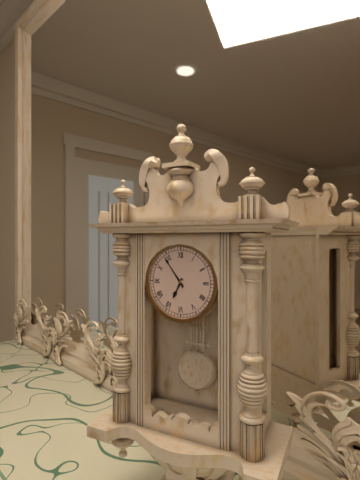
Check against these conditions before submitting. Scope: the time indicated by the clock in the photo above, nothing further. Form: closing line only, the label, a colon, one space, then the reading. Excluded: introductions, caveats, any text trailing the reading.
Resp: 6:54
